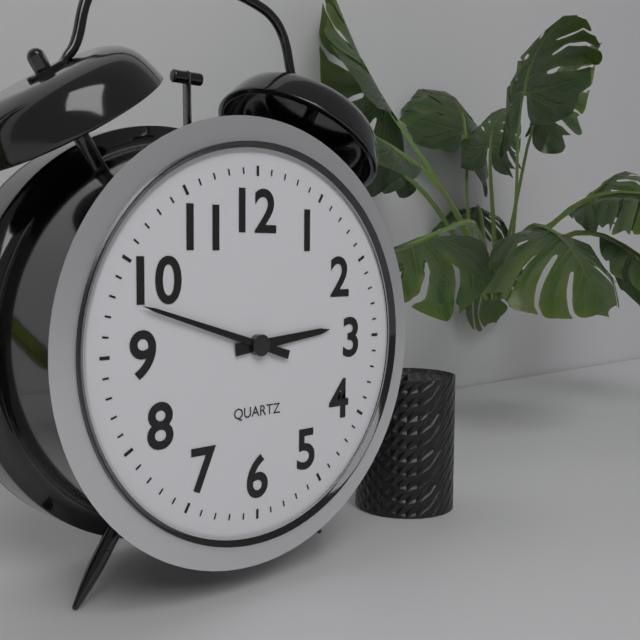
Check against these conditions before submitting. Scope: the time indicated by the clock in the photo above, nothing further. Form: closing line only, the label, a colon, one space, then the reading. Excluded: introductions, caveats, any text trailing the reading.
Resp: 2:48
